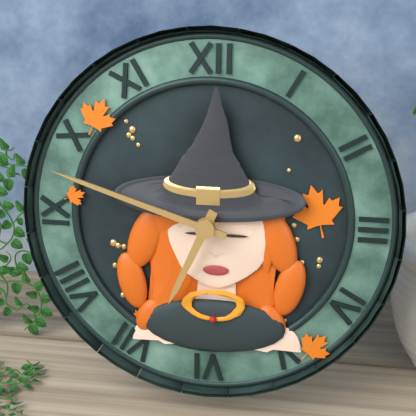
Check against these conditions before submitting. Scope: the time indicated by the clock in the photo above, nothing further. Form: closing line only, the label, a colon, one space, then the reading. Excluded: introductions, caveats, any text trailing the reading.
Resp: 6:48
